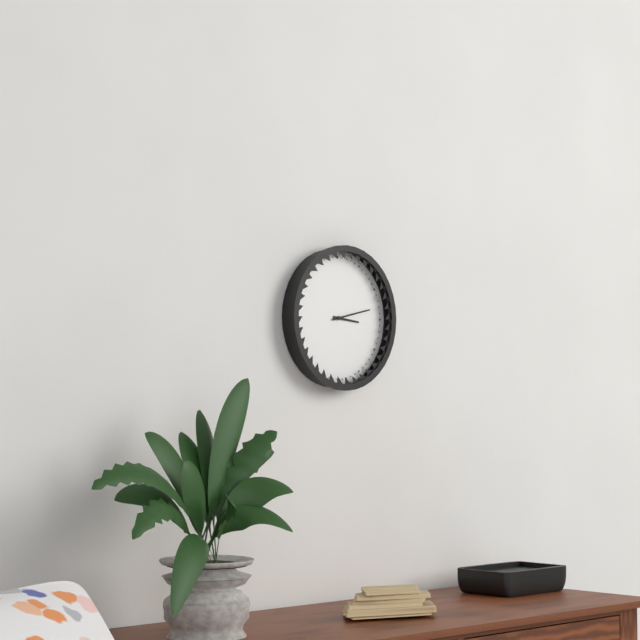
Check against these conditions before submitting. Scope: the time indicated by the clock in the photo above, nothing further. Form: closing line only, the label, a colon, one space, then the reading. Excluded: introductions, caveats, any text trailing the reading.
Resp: 3:13
